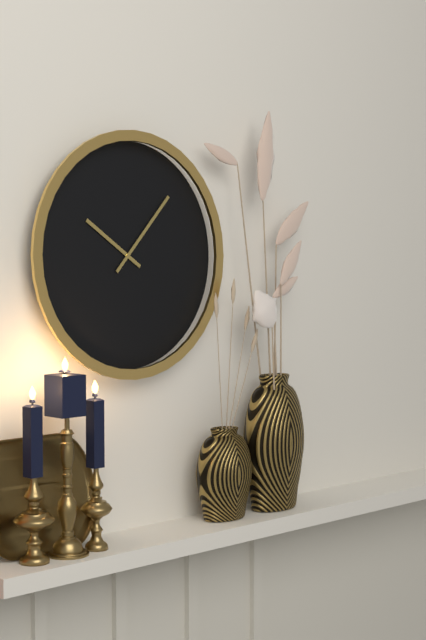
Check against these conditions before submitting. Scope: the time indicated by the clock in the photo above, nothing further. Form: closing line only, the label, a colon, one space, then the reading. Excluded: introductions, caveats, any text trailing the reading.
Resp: 10:07
